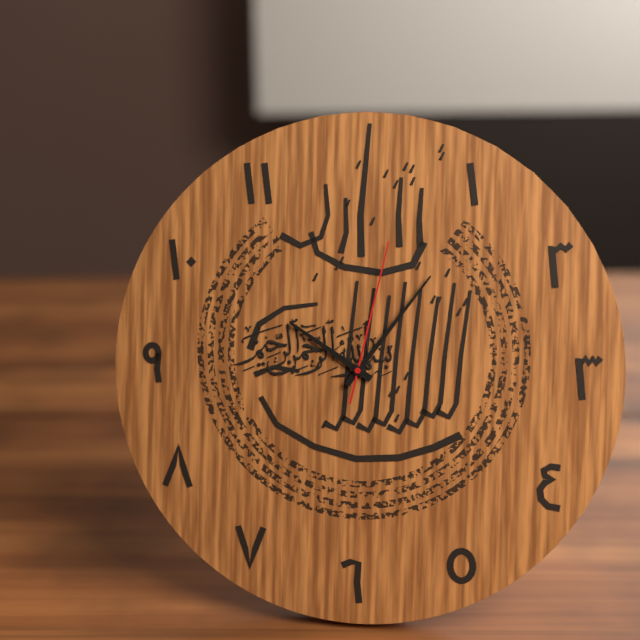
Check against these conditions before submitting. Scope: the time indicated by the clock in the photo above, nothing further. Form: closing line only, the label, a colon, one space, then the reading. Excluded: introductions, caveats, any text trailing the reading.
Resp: 10:06:02
